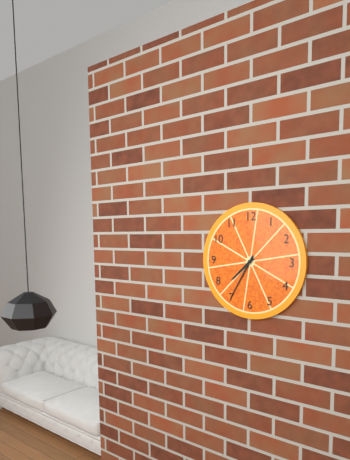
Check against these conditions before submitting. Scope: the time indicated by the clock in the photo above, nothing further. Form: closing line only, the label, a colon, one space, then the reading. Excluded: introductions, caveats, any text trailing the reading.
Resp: 7:35
